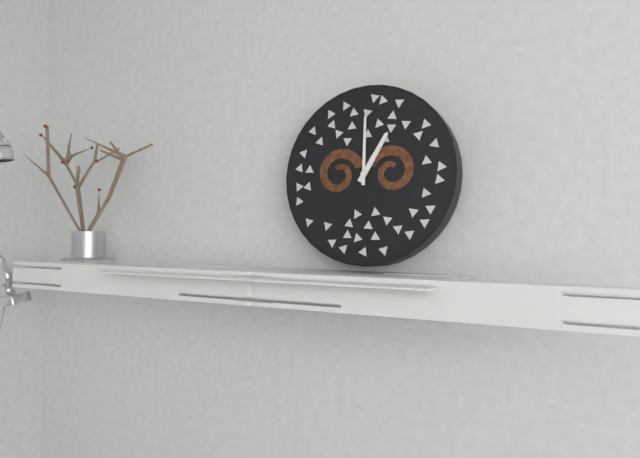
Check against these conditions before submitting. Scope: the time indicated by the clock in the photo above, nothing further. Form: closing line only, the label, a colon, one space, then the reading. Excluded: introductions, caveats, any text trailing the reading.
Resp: 1:00
